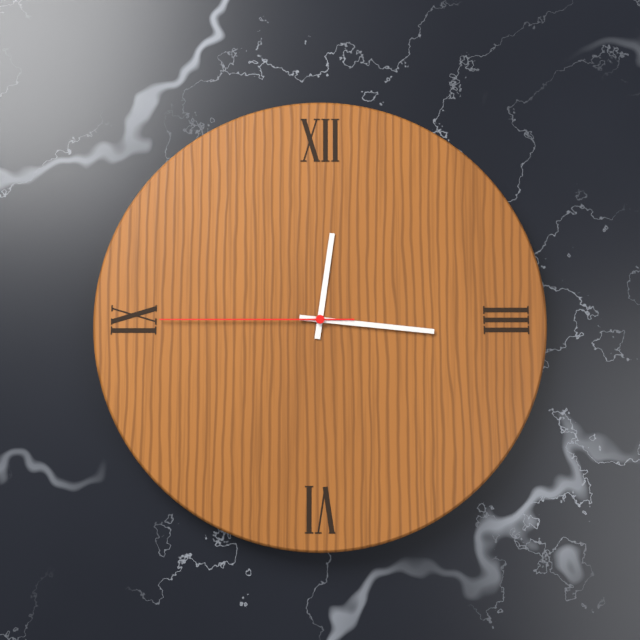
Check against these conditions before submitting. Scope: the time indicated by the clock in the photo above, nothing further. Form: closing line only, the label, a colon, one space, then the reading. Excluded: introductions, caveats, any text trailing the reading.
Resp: 12:16:45
